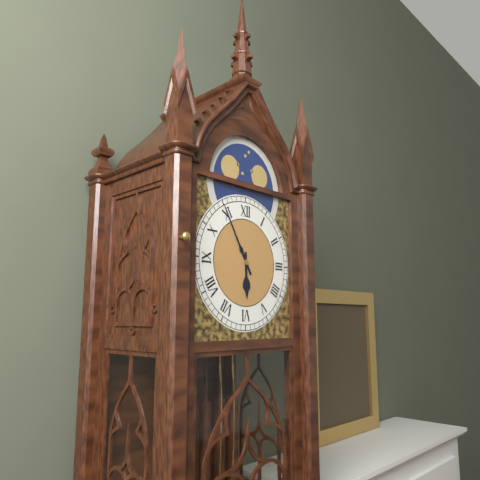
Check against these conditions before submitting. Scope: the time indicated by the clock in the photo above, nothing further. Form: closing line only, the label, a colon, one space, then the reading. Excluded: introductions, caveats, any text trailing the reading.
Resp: 5:55
